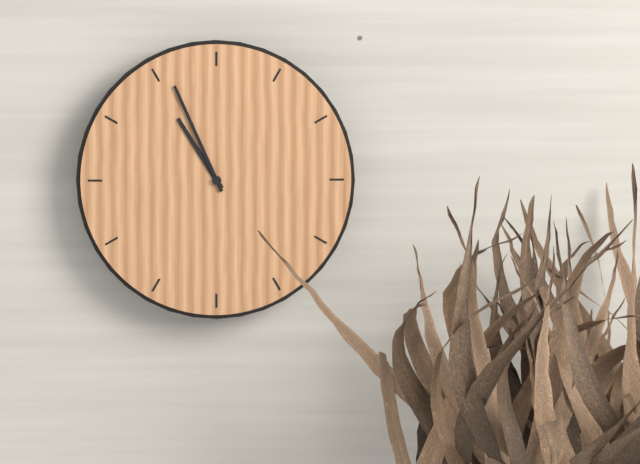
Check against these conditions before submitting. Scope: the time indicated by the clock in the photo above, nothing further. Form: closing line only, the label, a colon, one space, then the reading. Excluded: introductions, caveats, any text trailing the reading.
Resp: 10:56
